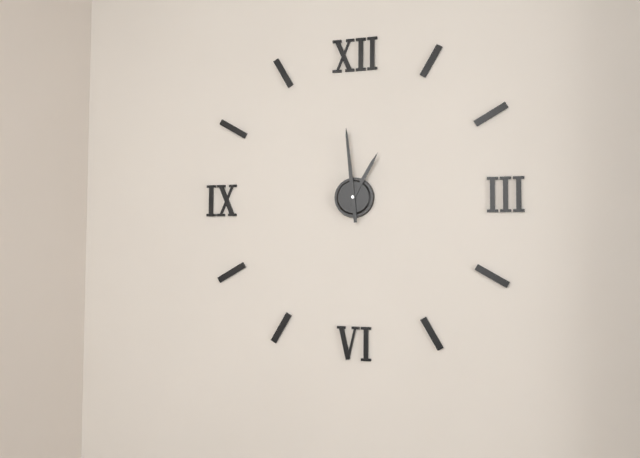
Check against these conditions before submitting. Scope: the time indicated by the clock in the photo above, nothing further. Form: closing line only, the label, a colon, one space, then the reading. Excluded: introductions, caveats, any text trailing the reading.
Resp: 12:59
